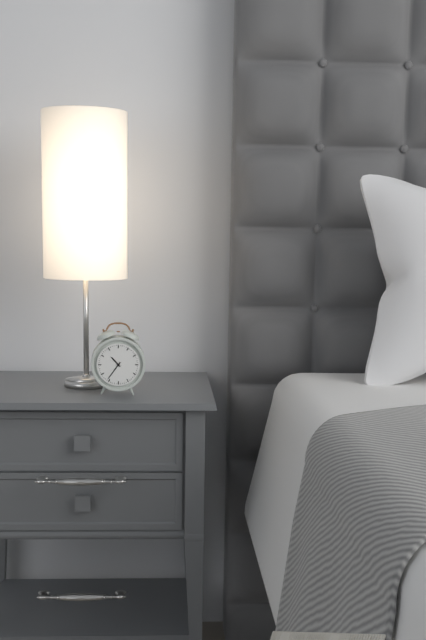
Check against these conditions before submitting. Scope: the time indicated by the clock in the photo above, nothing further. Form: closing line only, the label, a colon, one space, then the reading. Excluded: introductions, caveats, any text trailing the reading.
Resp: 10:36
